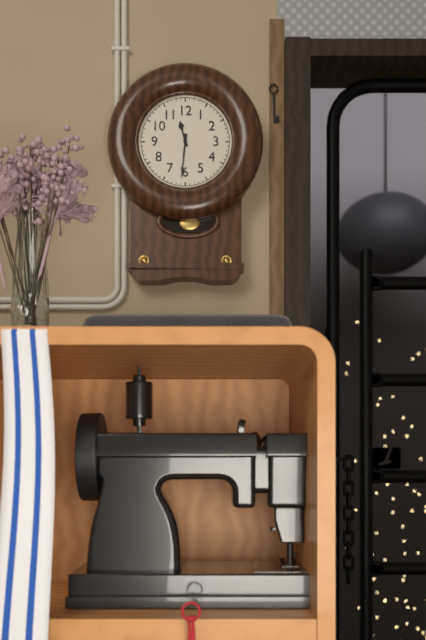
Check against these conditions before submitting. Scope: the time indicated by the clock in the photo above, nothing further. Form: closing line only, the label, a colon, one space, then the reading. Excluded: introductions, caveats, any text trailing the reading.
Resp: 11:31
